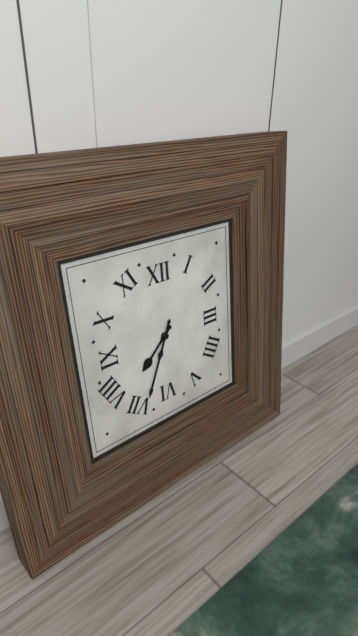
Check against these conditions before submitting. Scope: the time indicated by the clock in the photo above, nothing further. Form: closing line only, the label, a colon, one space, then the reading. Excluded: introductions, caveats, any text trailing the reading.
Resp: 7:34
